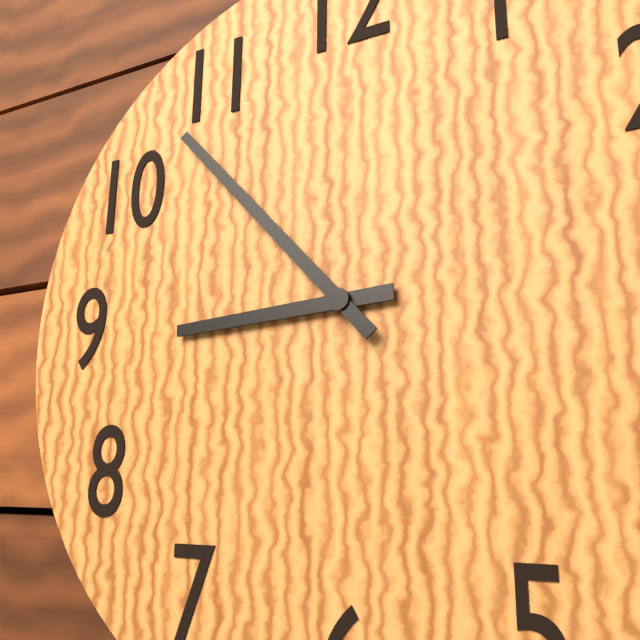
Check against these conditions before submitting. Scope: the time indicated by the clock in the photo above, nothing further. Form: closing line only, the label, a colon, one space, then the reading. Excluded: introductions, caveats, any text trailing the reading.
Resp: 8:53
